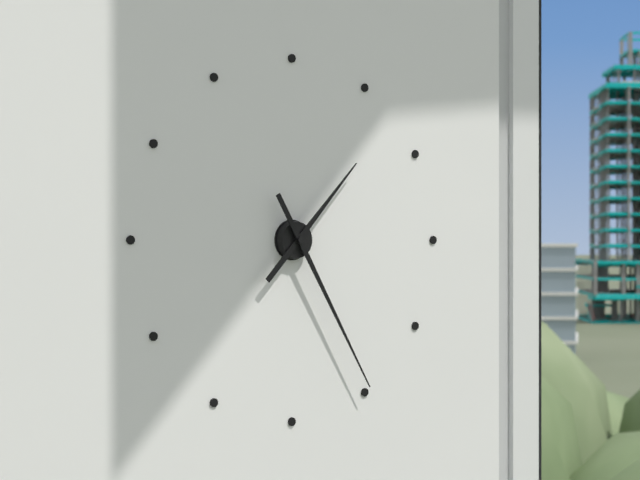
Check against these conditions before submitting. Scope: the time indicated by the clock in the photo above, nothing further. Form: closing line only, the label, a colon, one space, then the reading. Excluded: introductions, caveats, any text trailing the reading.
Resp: 1:25
